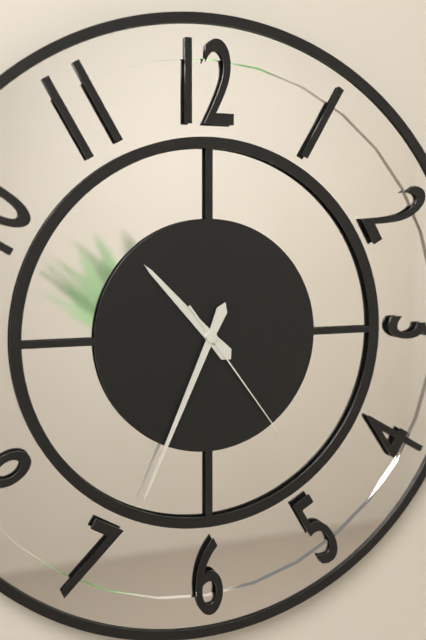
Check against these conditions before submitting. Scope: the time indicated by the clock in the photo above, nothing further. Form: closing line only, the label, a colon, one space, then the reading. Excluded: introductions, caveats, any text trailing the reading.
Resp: 10:34:24
